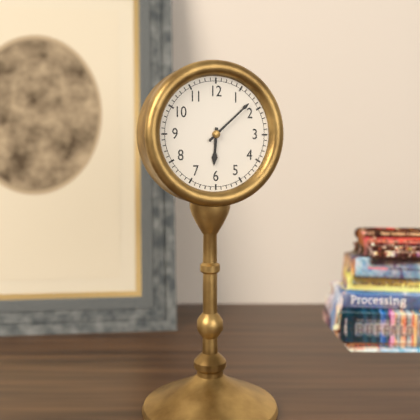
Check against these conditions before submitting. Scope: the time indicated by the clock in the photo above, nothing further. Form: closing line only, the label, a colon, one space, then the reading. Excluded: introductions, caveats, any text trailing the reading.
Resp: 6:08
